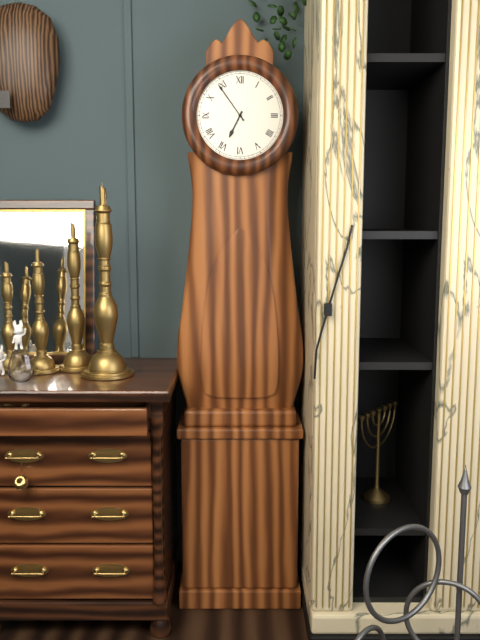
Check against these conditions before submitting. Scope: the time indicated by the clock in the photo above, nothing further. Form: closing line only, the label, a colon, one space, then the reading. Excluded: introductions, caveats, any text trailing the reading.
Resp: 6:54
